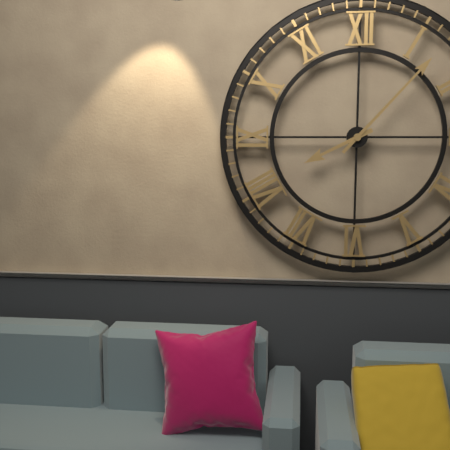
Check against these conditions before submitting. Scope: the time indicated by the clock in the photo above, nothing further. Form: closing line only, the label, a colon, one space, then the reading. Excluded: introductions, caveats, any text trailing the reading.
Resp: 8:07
